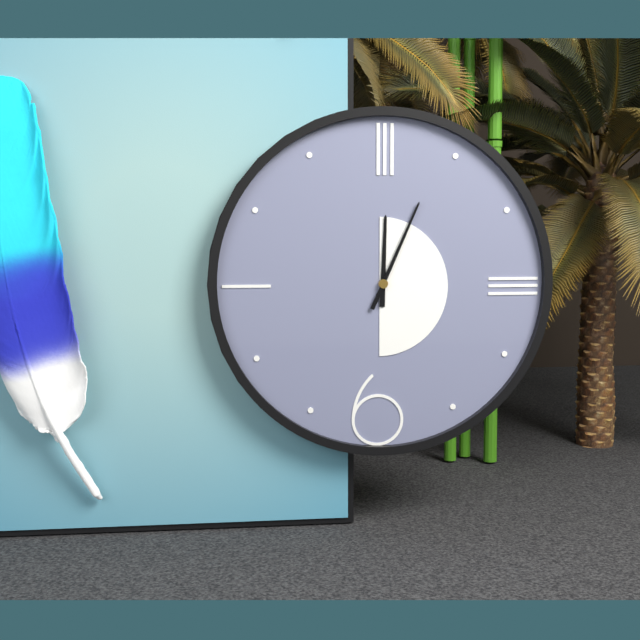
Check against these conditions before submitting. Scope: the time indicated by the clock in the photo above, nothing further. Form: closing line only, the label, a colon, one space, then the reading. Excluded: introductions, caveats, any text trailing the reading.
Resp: 12:04
